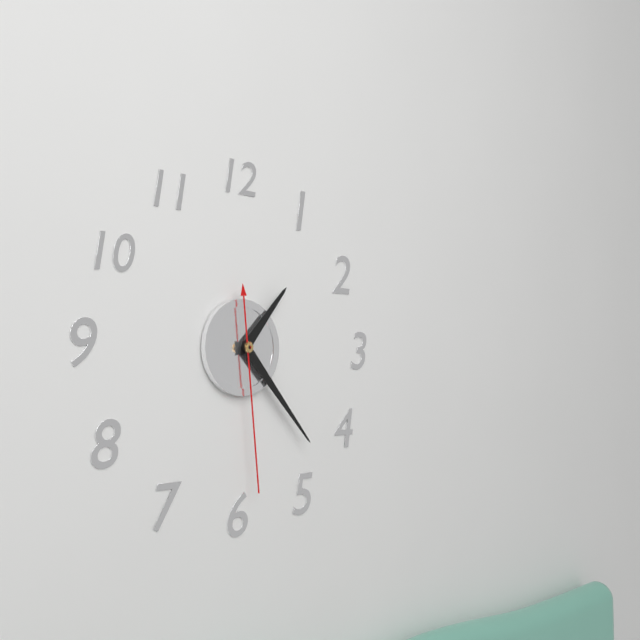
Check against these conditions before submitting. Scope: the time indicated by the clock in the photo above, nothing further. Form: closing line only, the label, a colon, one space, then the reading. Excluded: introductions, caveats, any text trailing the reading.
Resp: 1:23:29
